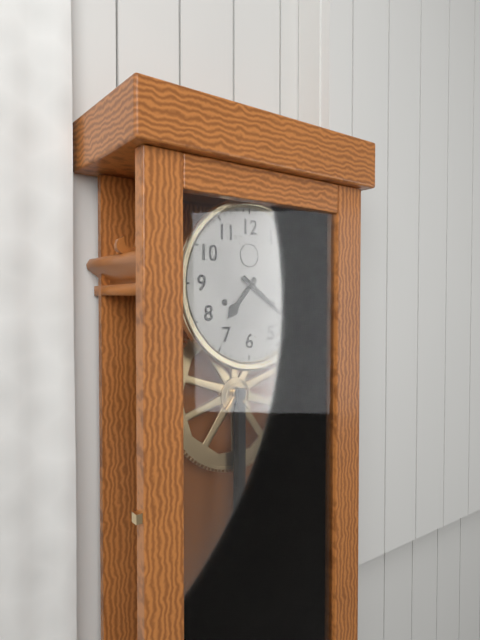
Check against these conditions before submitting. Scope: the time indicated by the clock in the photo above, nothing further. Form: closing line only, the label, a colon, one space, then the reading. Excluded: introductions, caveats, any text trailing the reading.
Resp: 7:21
